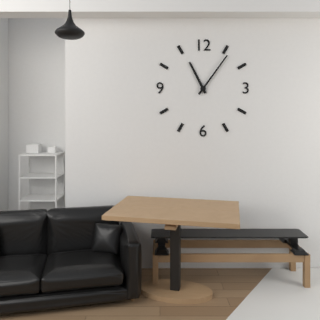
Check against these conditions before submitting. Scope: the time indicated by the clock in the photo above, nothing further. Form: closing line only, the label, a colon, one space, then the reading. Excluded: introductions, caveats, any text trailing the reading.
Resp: 11:06
